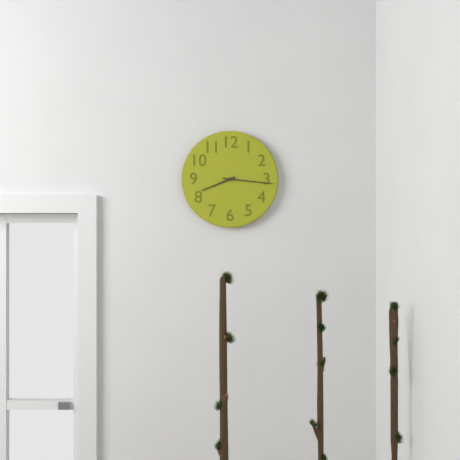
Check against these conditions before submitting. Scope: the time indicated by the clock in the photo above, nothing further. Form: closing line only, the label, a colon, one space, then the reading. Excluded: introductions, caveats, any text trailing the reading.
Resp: 8:16
